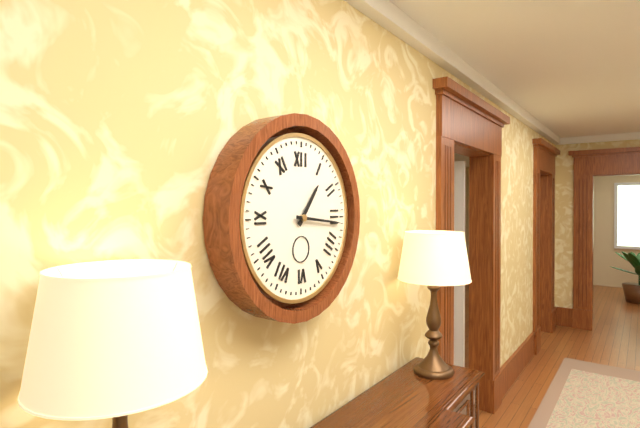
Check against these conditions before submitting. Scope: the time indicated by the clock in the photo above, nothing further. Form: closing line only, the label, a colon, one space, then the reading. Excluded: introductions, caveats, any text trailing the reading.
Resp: 1:16
